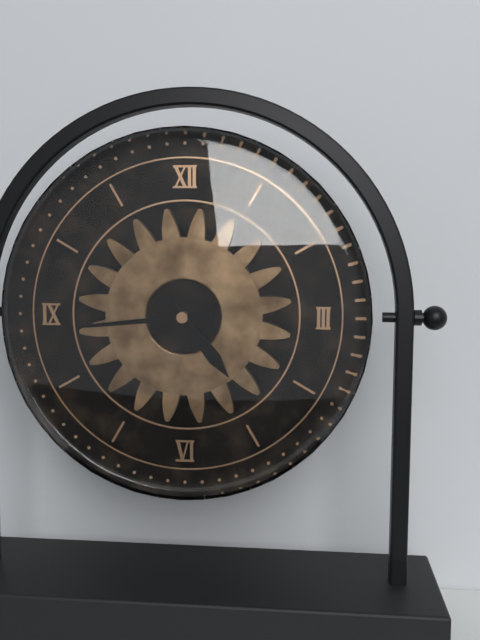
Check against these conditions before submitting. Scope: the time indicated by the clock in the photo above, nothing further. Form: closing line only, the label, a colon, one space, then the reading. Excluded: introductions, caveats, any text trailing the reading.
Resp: 4:44
